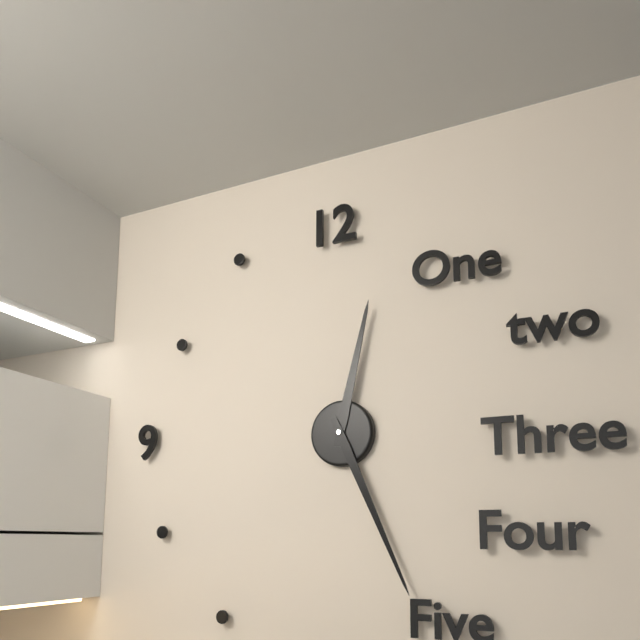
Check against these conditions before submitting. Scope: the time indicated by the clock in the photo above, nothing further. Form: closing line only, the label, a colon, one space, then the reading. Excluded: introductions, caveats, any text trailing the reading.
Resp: 12:26
